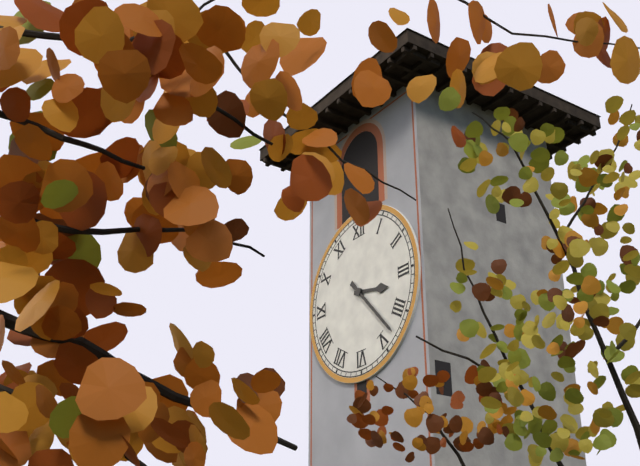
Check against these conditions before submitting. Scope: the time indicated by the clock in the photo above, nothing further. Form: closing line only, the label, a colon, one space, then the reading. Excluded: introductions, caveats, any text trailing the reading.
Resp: 3:23
